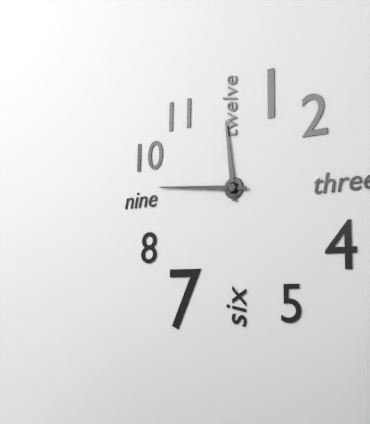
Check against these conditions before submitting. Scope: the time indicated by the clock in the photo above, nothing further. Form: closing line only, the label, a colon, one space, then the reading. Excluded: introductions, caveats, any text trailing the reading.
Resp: 11:46
